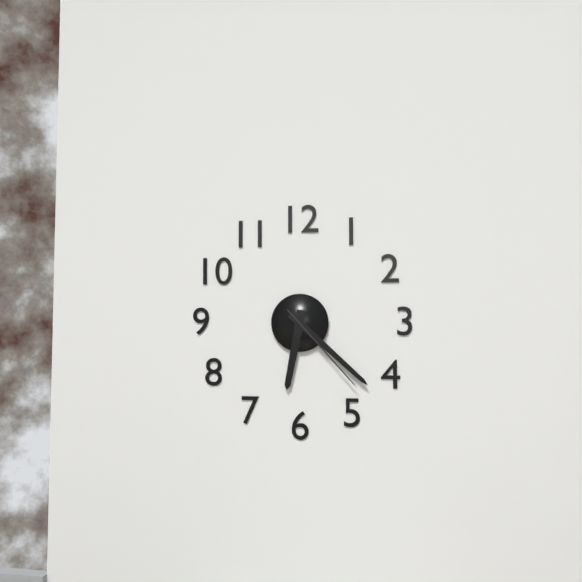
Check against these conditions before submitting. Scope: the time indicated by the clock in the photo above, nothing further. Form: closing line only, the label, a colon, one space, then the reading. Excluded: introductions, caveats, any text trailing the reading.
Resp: 6:22:23
